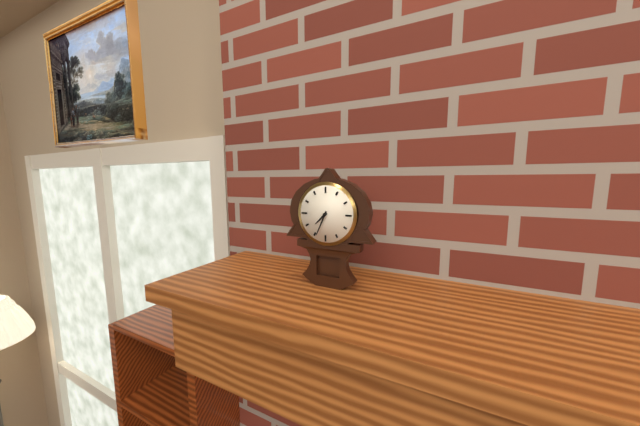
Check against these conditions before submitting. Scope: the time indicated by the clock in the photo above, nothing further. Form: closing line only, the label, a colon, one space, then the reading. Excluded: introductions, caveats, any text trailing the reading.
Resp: 7:34
